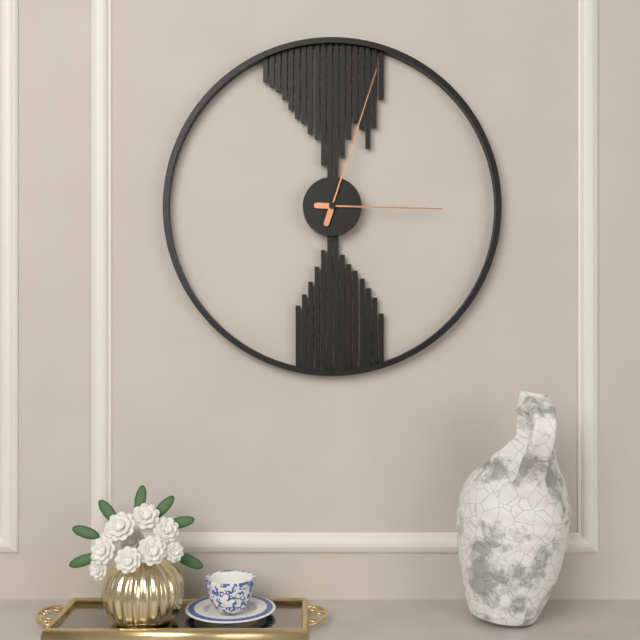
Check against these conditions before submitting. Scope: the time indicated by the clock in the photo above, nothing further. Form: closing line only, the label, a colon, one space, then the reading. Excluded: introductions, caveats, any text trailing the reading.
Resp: 3:03
